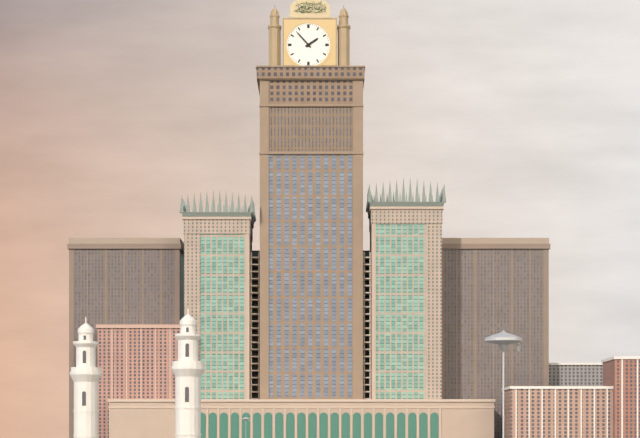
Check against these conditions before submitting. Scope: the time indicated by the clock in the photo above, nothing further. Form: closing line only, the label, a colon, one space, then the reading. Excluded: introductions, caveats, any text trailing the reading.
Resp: 1:53
